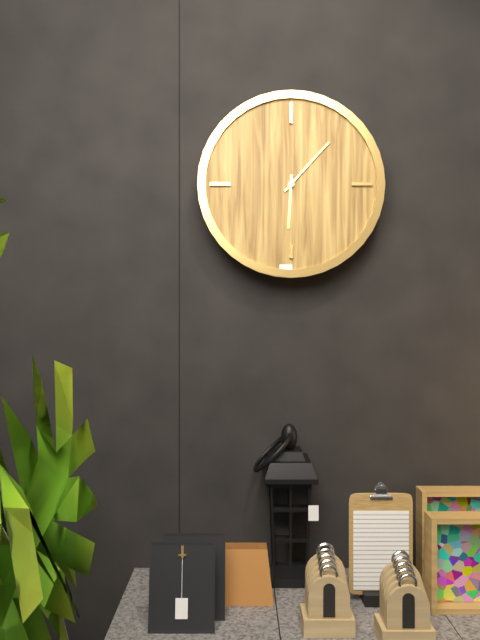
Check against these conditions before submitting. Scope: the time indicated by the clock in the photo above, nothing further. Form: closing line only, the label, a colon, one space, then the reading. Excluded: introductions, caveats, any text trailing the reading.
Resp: 6:07
